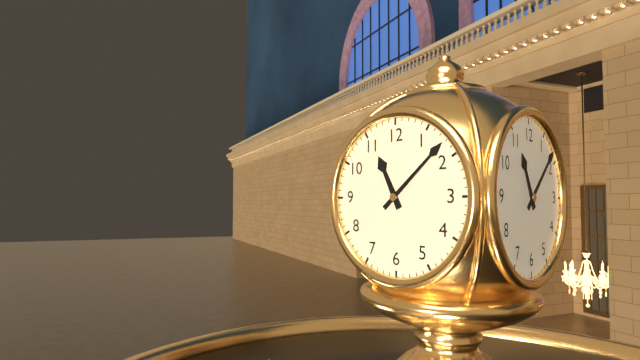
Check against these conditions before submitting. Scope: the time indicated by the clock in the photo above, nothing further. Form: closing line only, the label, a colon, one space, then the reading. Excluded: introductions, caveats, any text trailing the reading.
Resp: 11:08
